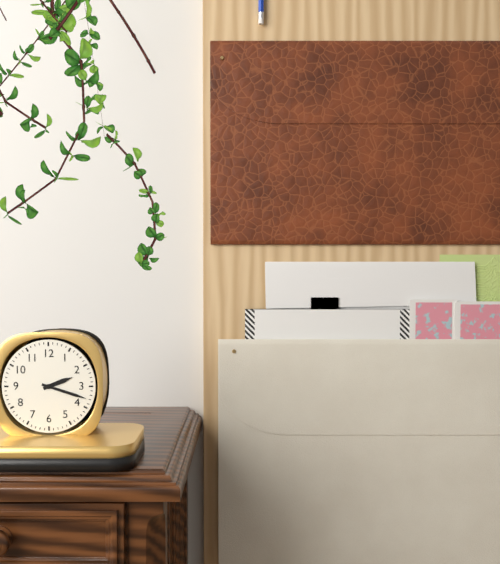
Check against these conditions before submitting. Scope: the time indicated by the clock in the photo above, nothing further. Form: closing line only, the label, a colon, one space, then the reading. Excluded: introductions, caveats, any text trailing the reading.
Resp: 2:18
